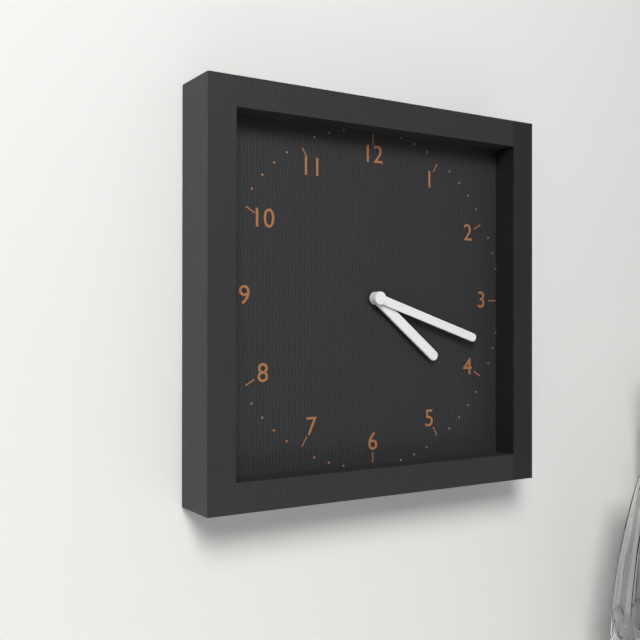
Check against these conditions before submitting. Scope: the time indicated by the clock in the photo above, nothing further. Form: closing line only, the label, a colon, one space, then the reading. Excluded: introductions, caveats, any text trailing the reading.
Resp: 4:18
